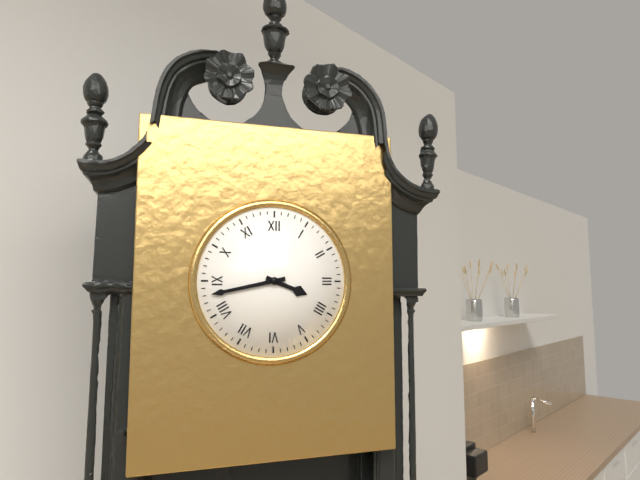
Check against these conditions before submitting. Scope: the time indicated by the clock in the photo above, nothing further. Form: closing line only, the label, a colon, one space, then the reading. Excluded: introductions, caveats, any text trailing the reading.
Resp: 3:43
